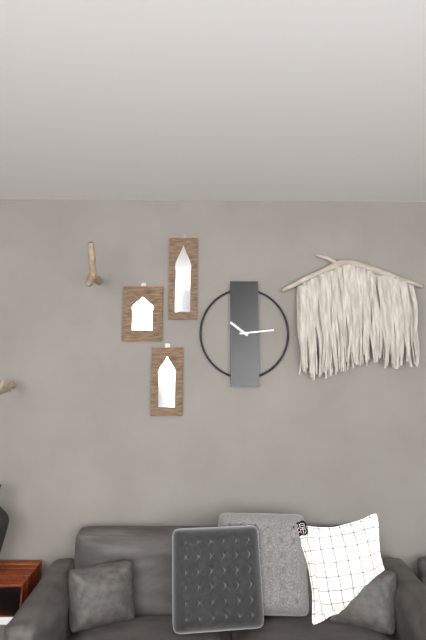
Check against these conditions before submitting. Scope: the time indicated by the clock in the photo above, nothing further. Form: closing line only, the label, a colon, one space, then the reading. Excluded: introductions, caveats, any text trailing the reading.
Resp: 10:14
